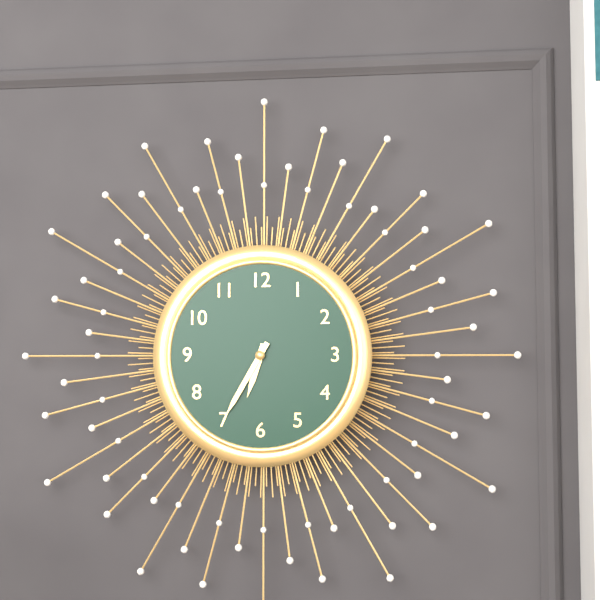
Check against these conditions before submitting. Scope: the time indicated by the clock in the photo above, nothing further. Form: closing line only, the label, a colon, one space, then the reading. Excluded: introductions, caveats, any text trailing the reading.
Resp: 6:35
